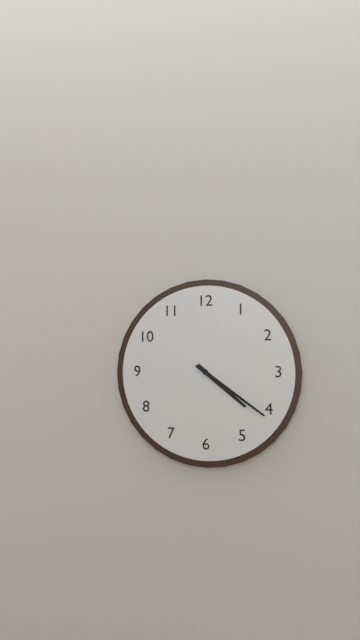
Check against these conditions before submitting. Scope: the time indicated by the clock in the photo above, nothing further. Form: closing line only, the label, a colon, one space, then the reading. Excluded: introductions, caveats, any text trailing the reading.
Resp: 4:21
